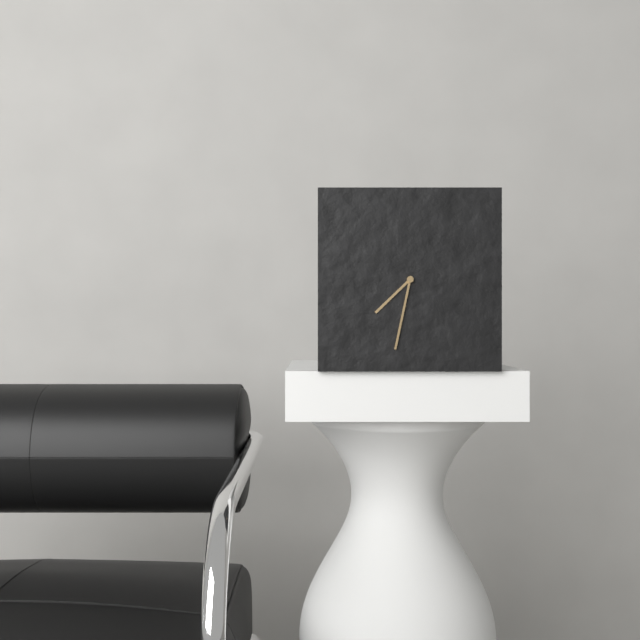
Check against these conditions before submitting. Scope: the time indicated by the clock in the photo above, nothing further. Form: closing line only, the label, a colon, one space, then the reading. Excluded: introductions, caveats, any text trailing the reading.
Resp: 7:32
